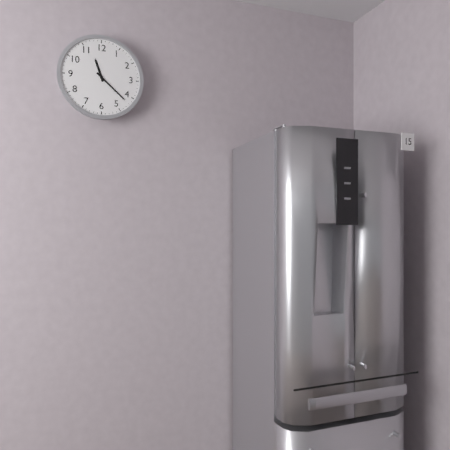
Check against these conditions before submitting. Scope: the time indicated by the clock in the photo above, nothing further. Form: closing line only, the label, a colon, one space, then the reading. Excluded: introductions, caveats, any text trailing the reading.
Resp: 11:22
